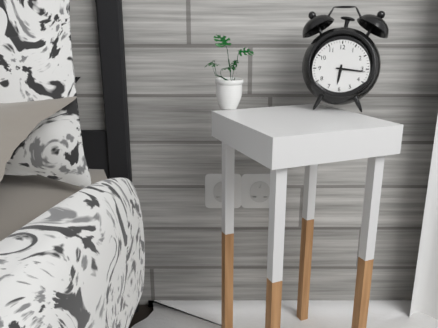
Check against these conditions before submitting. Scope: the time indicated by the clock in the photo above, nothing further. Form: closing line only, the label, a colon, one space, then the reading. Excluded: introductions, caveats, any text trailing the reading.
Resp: 6:16
